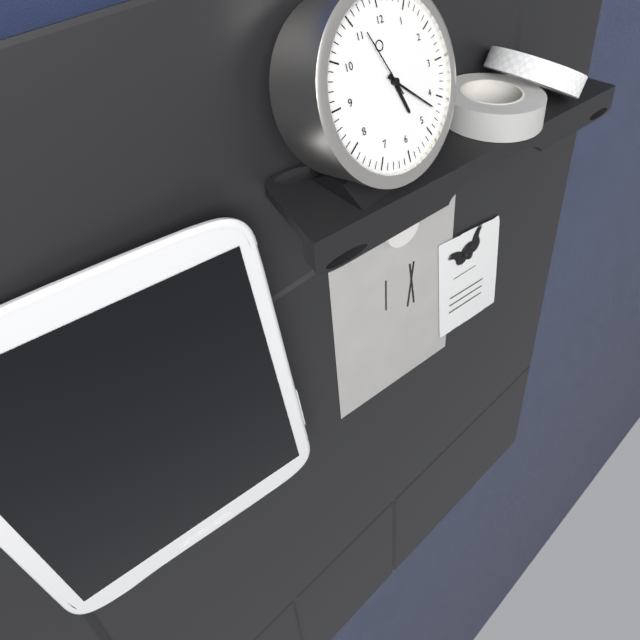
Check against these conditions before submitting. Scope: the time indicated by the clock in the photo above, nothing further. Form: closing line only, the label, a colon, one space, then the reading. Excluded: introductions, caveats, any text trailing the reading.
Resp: 5:22:56
